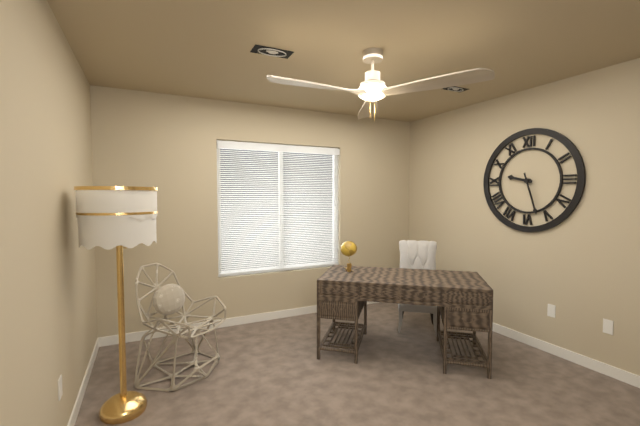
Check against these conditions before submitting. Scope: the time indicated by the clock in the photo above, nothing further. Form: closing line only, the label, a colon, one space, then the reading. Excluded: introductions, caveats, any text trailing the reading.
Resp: 9:27
